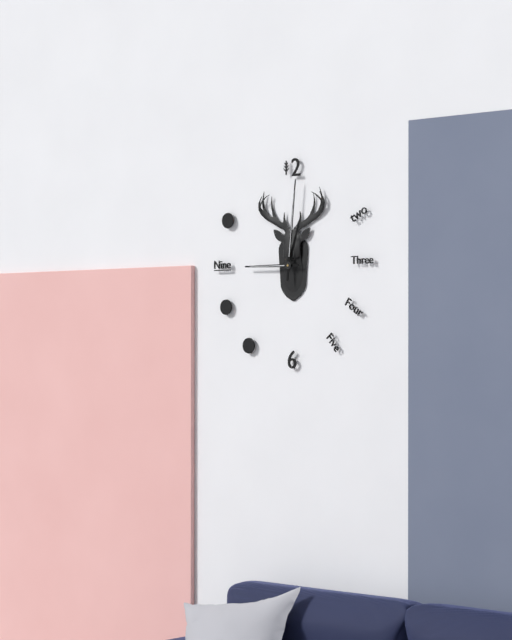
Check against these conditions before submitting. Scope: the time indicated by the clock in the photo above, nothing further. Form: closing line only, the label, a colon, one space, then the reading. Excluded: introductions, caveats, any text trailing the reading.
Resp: 9:01
